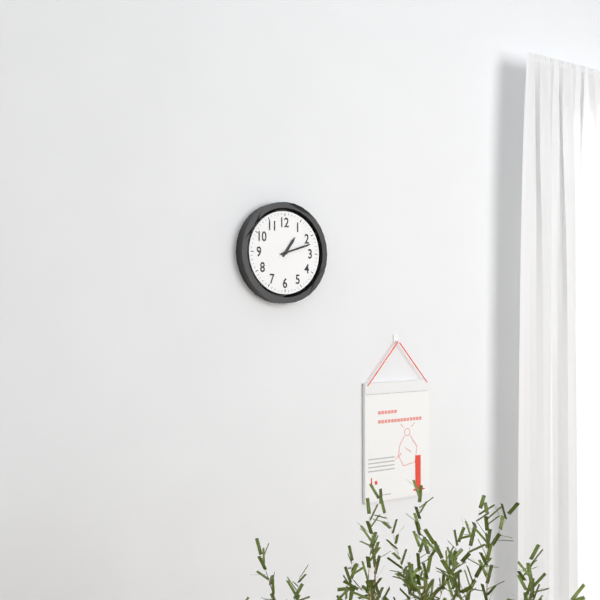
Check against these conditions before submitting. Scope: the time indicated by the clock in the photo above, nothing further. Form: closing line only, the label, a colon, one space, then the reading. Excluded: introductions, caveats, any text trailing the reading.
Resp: 1:12
